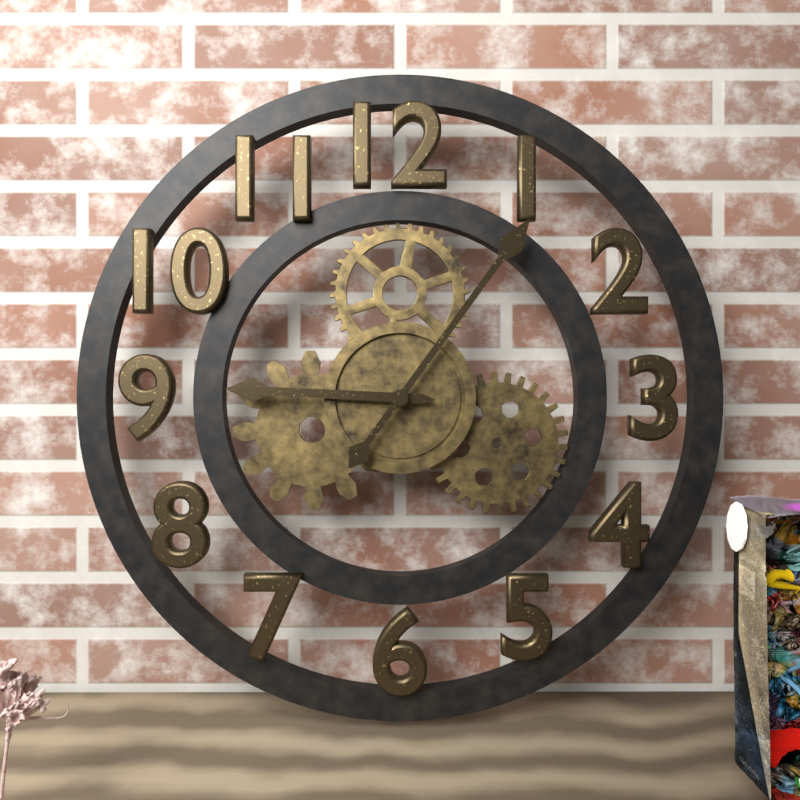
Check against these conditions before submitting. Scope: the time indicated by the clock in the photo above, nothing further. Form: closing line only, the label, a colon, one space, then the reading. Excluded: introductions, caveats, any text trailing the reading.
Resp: 9:06
